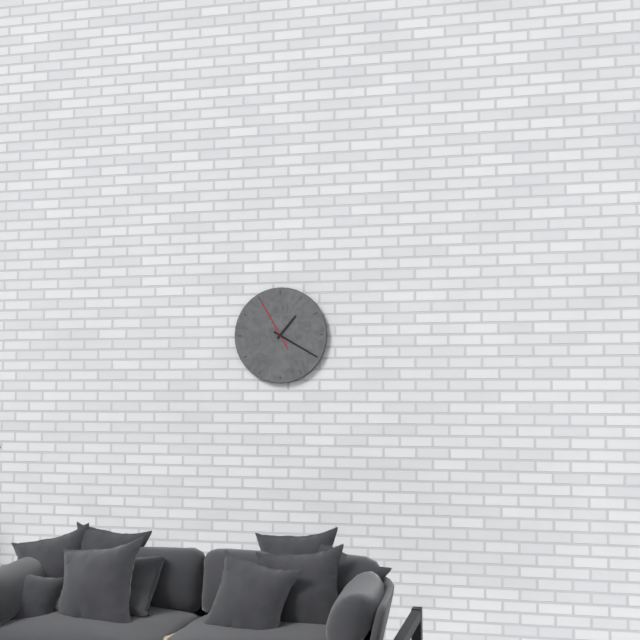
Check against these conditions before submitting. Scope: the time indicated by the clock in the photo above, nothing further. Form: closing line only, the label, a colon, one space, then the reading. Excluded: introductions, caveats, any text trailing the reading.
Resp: 1:20:55
